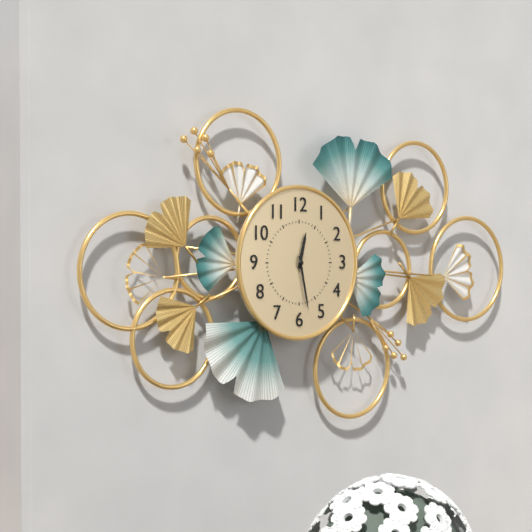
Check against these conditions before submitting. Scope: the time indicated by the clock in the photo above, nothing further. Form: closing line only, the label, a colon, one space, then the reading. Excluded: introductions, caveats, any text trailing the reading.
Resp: 12:28
